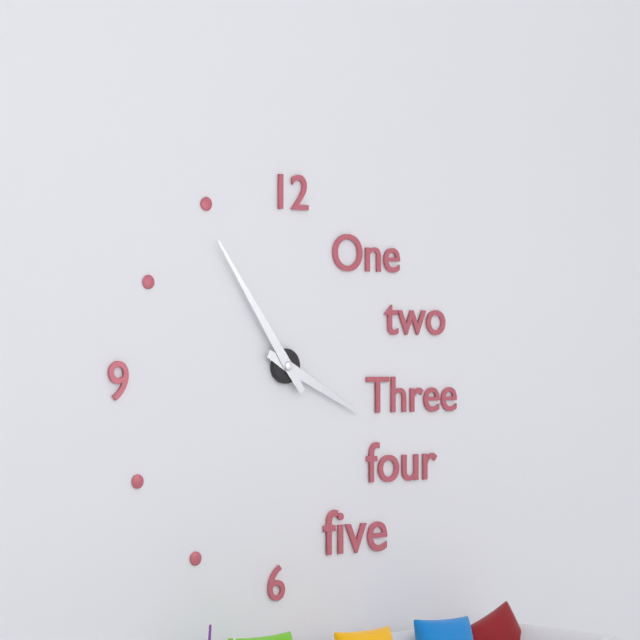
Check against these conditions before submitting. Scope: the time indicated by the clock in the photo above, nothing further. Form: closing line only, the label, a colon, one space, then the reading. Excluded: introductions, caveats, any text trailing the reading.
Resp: 3:54
